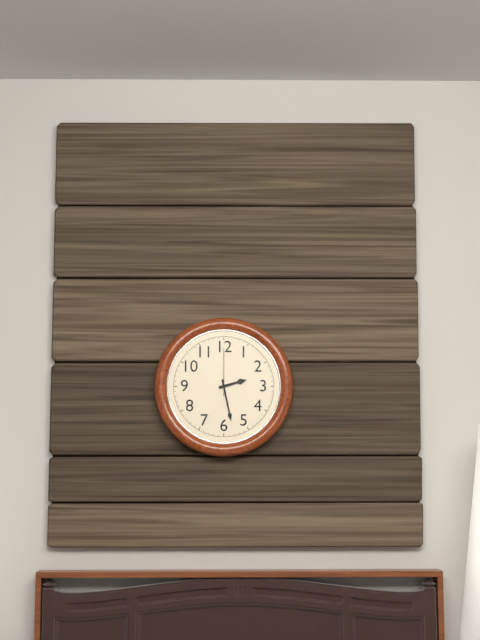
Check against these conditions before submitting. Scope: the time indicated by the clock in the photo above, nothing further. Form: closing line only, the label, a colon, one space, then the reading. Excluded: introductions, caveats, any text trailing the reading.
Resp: 2:28
